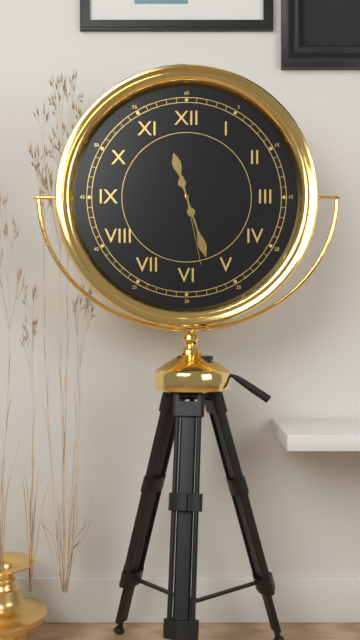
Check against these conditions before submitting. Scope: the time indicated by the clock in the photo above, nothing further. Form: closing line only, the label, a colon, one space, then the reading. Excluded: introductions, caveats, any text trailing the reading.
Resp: 11:27:28
